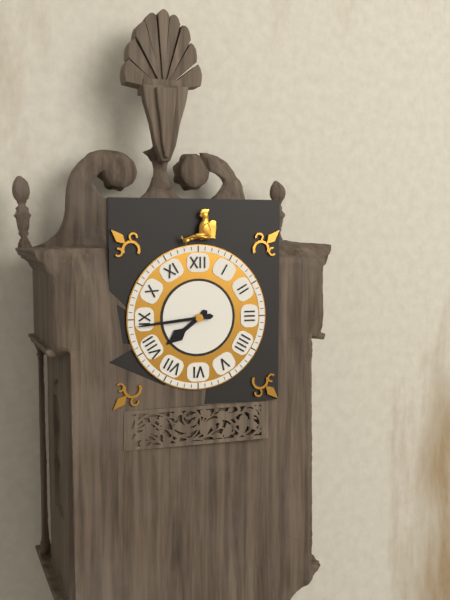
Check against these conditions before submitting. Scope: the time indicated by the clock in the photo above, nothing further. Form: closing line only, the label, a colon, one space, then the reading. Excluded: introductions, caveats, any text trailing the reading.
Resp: 7:44
